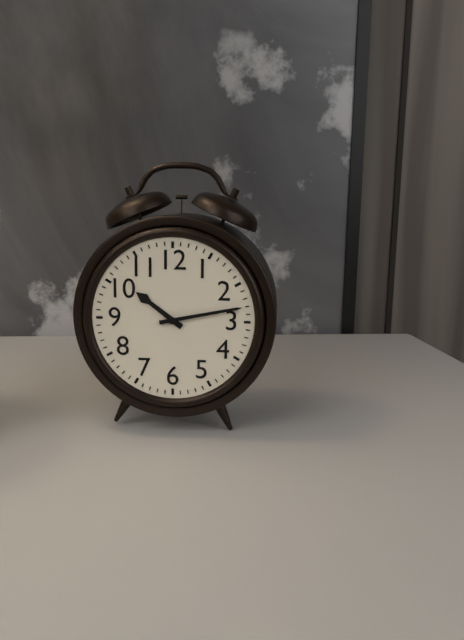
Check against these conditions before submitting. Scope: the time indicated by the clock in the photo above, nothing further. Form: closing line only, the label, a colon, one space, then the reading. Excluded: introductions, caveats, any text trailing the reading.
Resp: 10:13
